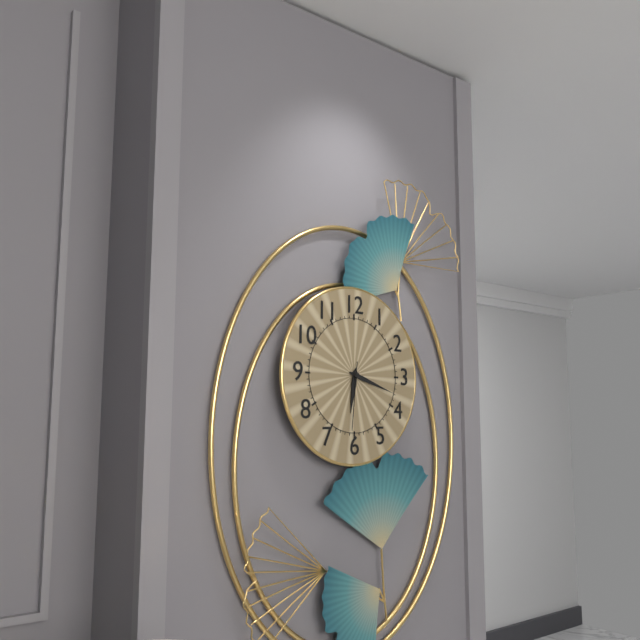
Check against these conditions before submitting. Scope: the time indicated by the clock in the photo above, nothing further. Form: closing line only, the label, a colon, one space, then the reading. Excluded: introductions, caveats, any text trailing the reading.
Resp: 6:18:31
